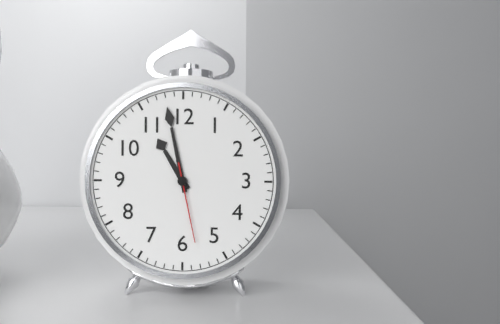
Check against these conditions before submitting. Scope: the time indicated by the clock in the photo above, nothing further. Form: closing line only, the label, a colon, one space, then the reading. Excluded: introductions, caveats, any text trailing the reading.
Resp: 10:58:28
